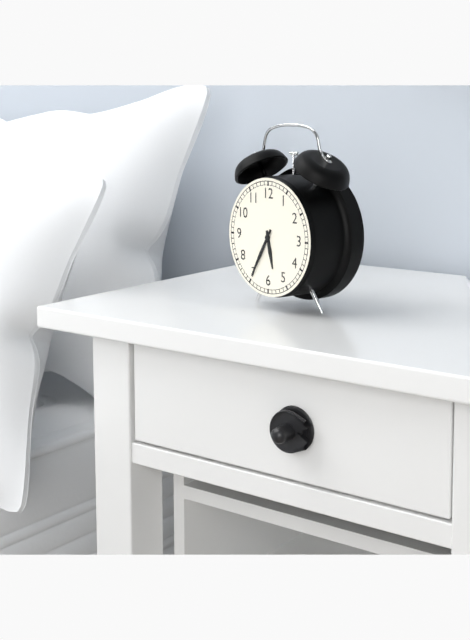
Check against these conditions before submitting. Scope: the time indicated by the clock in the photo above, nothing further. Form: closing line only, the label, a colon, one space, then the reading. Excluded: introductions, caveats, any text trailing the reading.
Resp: 5:35
